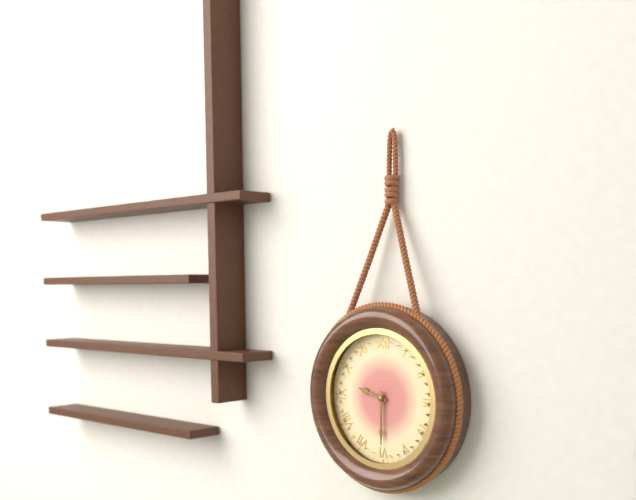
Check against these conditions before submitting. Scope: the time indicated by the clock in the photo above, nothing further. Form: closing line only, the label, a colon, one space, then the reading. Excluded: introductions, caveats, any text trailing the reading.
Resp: 9:30
